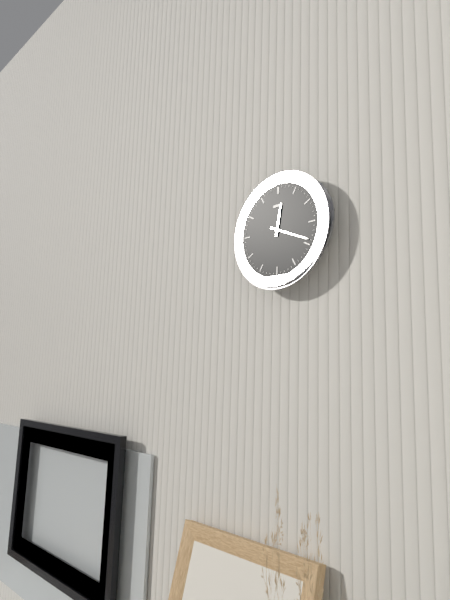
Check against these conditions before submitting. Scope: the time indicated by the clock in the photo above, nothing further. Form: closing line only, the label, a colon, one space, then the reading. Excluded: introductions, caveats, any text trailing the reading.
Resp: 12:19
